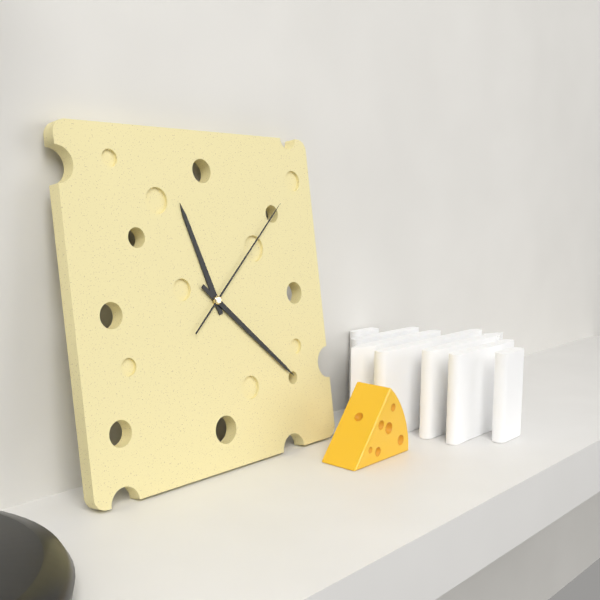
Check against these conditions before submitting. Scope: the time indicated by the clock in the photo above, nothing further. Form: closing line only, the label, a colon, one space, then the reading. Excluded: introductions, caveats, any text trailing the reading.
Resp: 11:22:08
